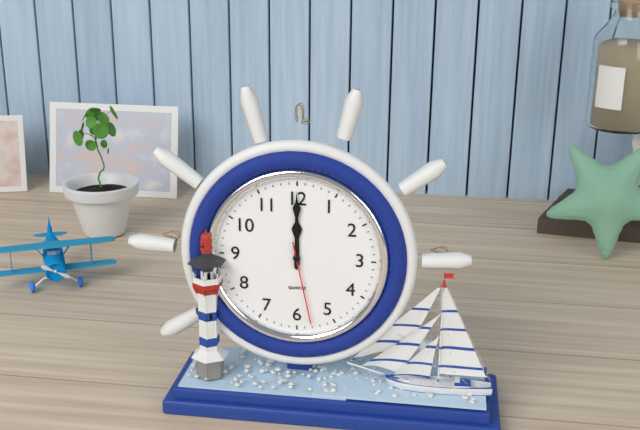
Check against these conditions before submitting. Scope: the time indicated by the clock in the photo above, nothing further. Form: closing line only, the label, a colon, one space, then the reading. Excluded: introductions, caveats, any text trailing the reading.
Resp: 12:00:28
